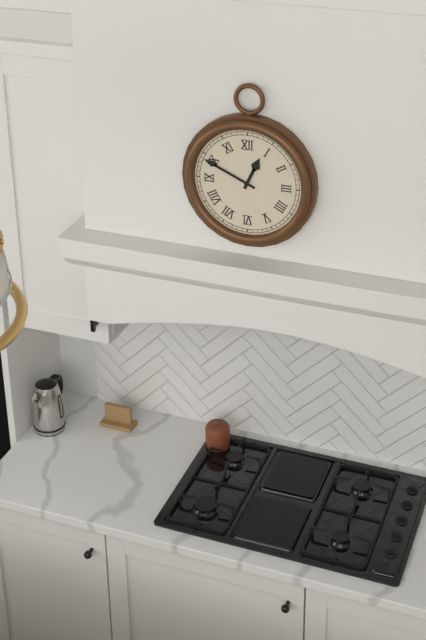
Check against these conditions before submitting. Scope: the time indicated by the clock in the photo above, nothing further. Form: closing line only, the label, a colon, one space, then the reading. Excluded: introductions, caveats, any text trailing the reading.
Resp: 12:49
